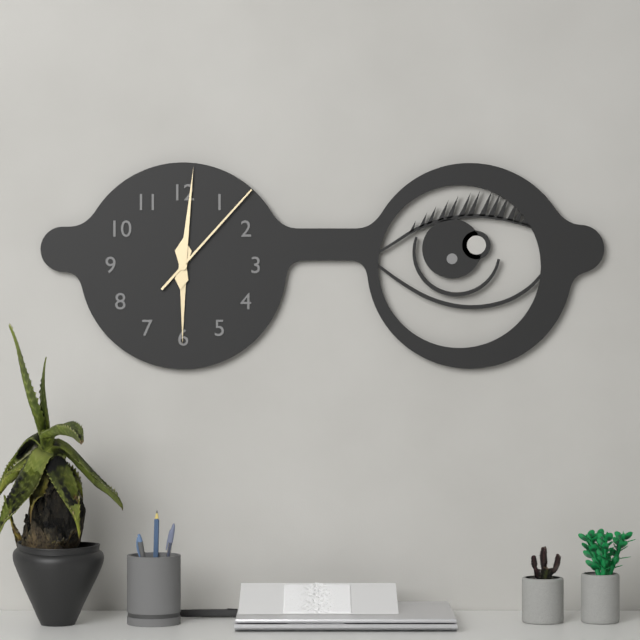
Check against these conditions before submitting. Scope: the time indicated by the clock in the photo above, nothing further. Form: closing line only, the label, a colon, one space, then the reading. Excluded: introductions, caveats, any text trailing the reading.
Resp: 6:01:07
